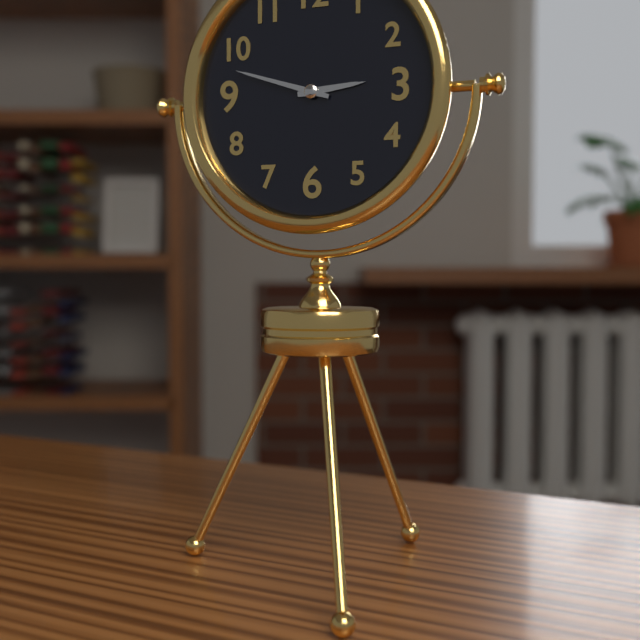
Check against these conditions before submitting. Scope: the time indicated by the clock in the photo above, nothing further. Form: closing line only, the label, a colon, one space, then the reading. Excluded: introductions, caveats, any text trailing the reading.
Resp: 2:48
